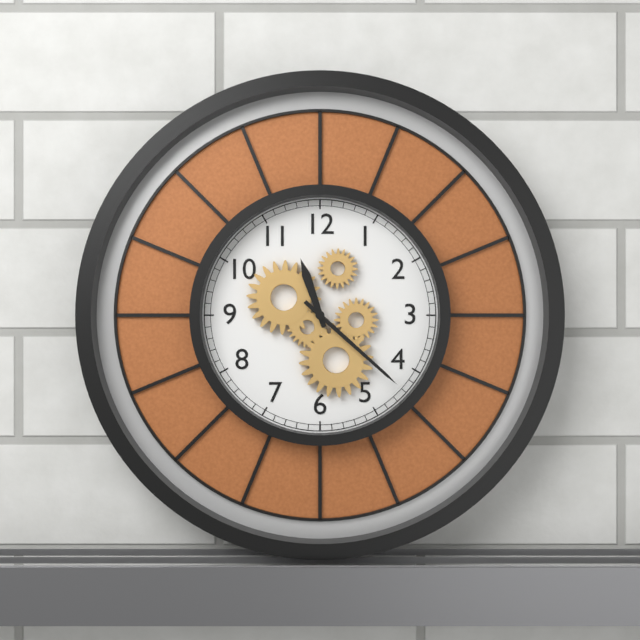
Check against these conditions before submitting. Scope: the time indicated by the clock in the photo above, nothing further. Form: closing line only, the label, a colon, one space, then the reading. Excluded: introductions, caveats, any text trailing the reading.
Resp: 11:22
